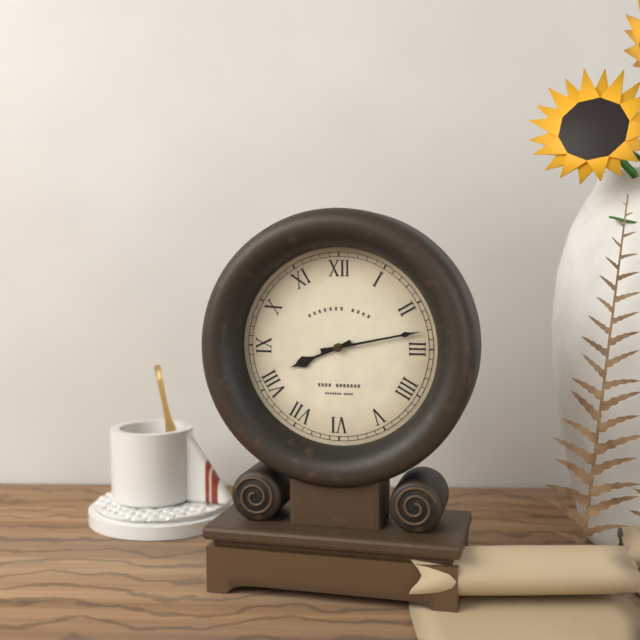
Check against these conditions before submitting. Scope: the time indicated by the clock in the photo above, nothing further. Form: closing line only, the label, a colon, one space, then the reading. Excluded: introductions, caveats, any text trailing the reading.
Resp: 8:13
